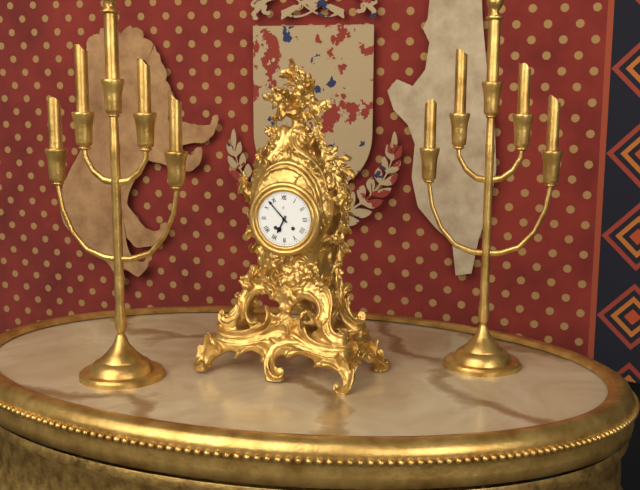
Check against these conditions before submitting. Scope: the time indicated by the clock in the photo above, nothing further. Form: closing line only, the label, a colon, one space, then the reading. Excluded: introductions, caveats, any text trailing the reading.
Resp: 6:53
